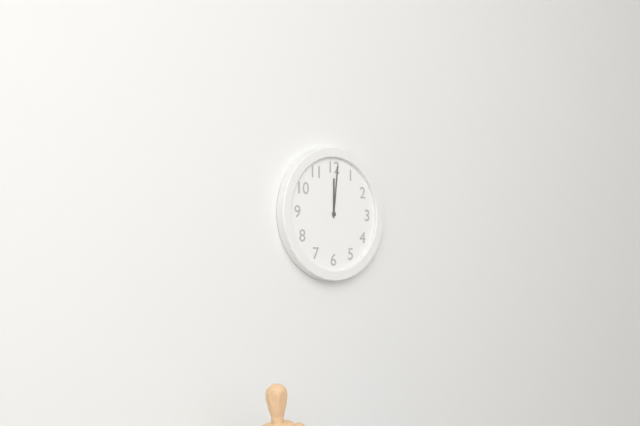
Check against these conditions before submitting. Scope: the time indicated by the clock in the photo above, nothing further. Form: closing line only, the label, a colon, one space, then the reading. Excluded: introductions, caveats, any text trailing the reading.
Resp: 12:01
